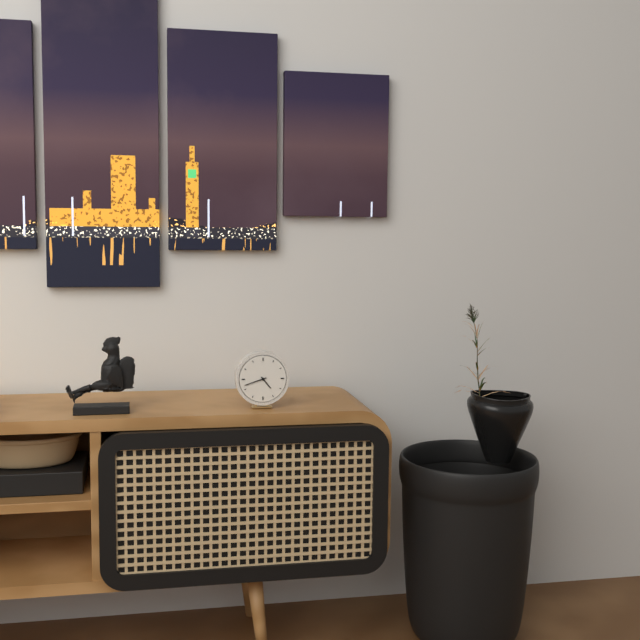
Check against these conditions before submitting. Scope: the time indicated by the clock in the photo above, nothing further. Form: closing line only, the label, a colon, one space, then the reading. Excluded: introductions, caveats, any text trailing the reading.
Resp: 4:42
